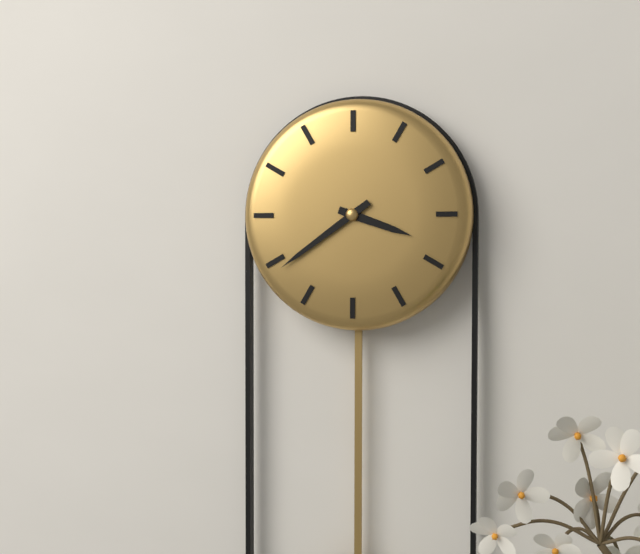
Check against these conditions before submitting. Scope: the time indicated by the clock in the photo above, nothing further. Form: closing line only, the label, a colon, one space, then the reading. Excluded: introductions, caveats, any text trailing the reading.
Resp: 3:39
